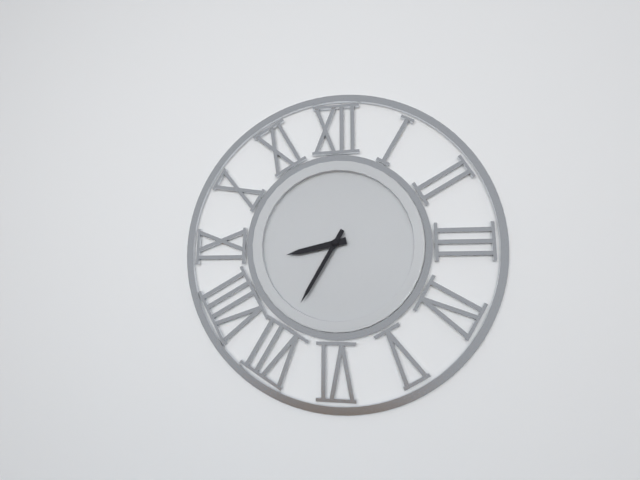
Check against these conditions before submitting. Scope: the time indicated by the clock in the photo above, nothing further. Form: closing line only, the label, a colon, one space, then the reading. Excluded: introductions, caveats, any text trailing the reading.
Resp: 8:35
